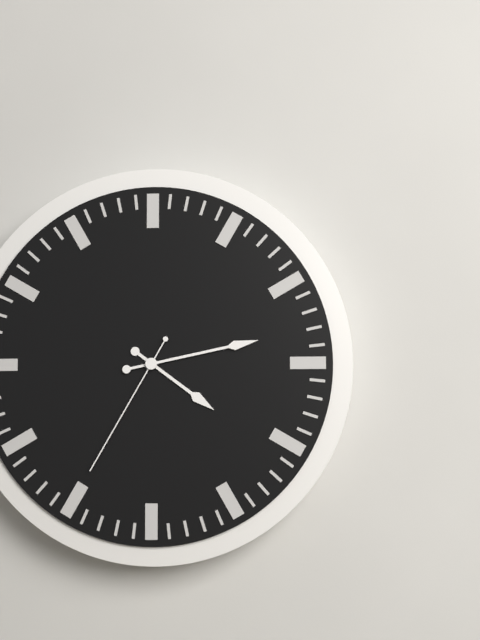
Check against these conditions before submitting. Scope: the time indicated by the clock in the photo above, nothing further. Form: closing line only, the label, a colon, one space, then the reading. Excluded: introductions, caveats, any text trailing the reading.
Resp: 4:13:35
